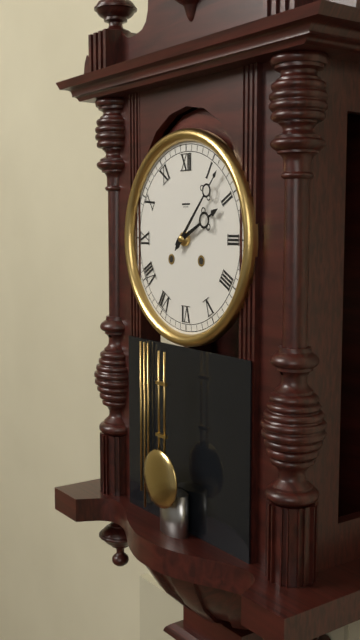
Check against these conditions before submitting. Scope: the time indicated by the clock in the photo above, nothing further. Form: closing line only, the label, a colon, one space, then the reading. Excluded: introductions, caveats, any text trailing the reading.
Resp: 2:07
